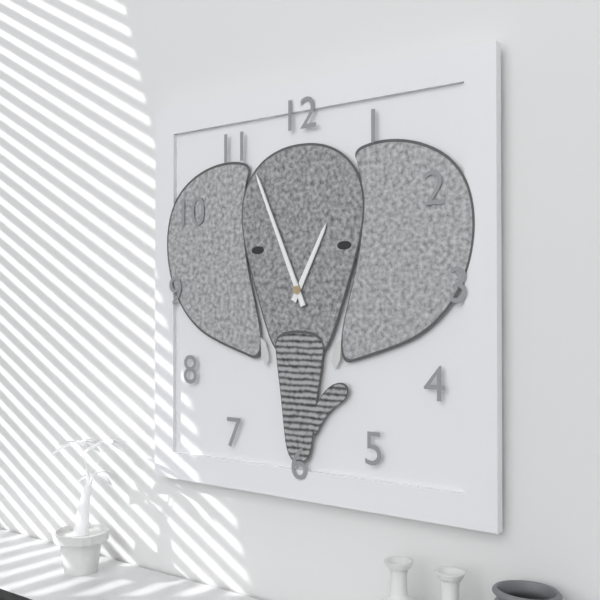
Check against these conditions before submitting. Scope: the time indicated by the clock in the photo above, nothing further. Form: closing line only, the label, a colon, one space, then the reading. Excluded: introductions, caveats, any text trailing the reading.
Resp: 12:56
